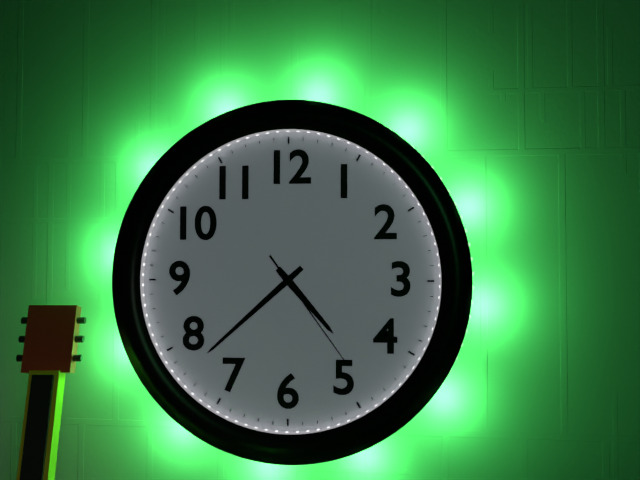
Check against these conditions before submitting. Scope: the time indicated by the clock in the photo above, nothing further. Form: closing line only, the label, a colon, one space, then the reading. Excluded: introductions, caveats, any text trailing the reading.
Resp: 4:38:24
